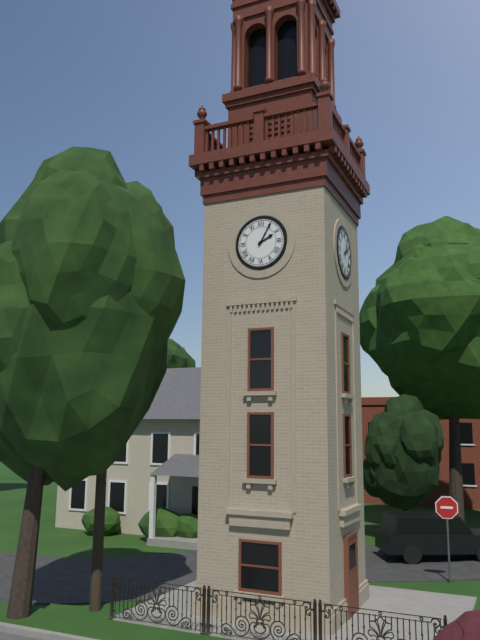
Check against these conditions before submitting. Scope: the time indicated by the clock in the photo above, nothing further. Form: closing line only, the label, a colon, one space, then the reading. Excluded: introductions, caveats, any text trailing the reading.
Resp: 2:05
